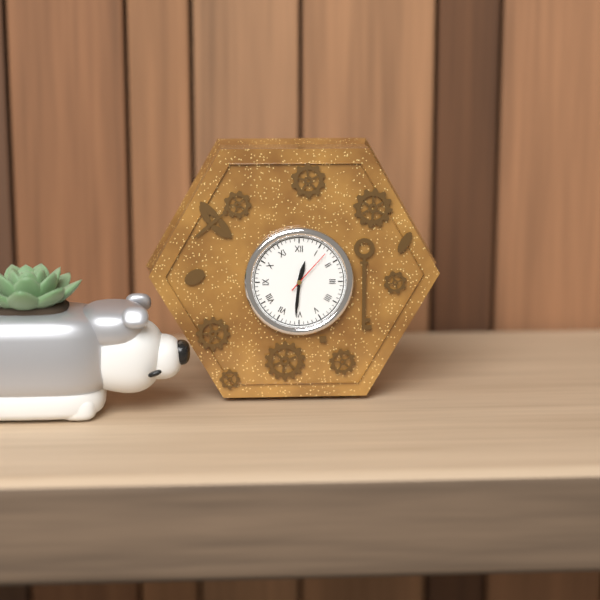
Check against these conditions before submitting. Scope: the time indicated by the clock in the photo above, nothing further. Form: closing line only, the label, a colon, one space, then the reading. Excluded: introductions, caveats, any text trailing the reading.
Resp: 12:31
